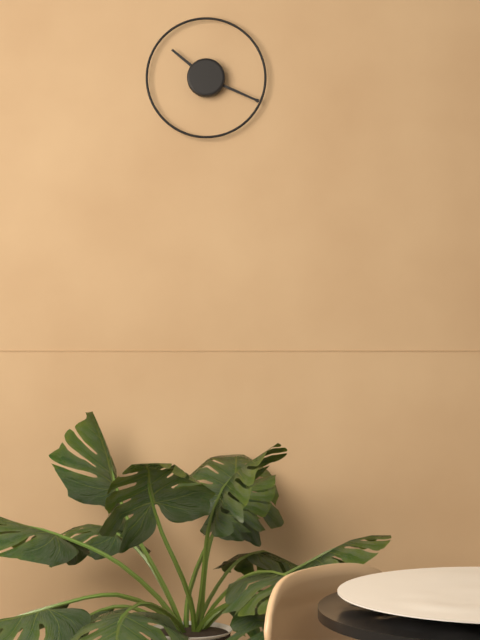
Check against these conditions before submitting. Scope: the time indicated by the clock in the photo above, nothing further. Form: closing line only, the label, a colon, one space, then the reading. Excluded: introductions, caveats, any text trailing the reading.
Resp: 10:19
